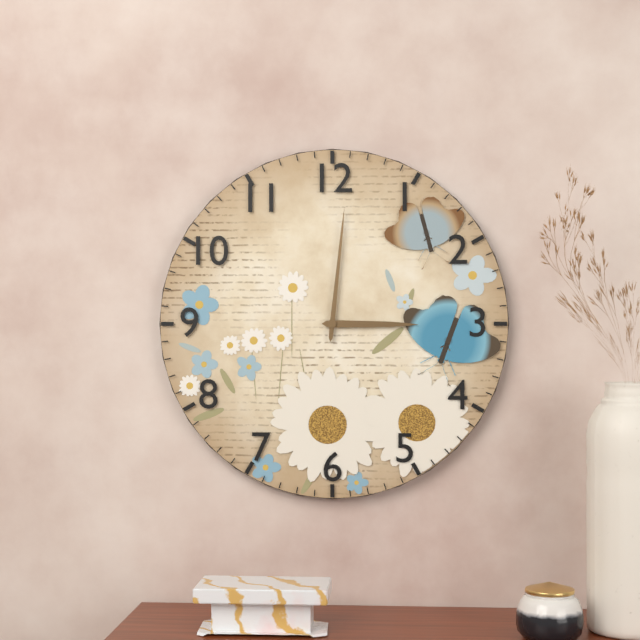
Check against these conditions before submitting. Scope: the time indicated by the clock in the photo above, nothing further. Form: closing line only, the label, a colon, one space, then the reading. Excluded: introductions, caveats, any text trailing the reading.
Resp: 3:01
